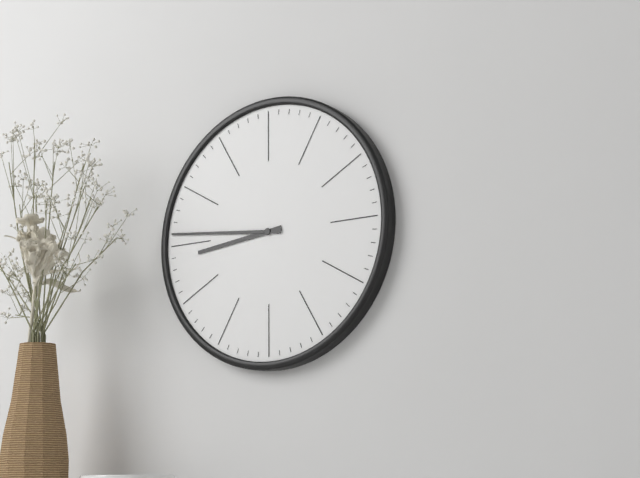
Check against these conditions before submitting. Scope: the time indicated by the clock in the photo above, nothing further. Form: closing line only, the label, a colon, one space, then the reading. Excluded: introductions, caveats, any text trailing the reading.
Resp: 8:46
